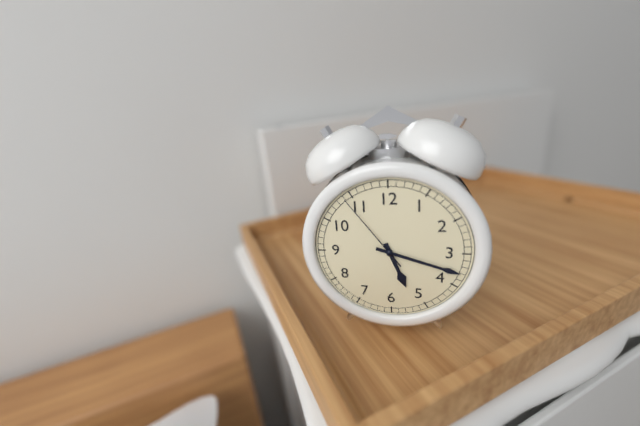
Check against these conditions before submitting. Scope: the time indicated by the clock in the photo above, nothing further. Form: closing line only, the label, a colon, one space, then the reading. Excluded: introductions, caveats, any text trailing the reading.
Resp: 5:18:54
